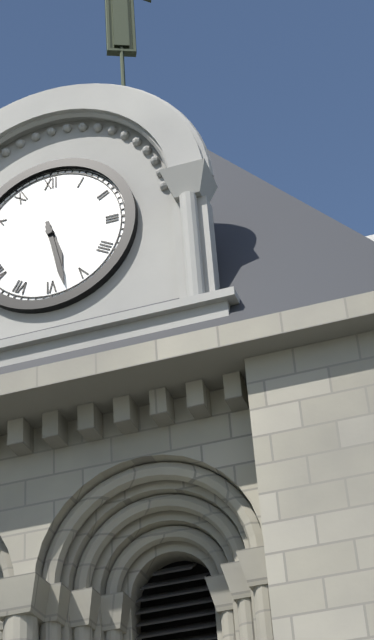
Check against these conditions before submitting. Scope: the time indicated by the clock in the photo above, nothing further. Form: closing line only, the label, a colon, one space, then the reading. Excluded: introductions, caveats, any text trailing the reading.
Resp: 5:28
